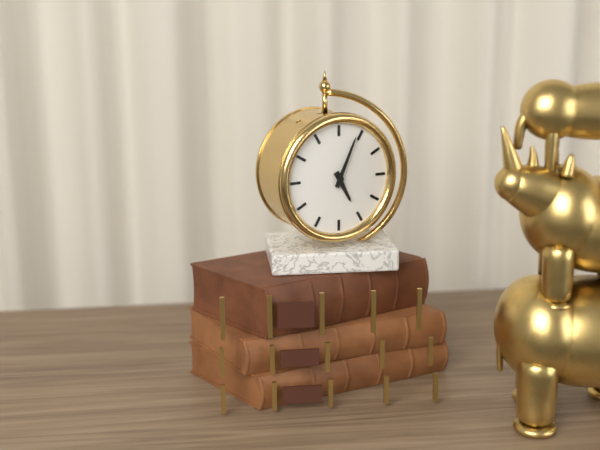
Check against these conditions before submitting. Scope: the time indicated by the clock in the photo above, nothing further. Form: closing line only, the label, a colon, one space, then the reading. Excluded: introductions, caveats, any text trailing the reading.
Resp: 5:04
